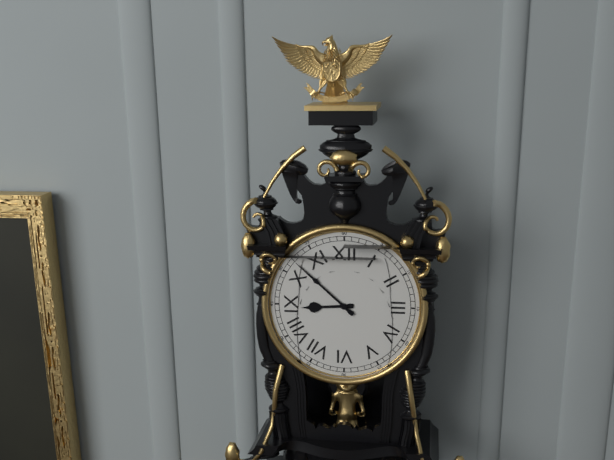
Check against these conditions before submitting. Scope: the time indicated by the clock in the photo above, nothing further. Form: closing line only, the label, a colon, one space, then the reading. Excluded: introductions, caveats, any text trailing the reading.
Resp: 8:52
